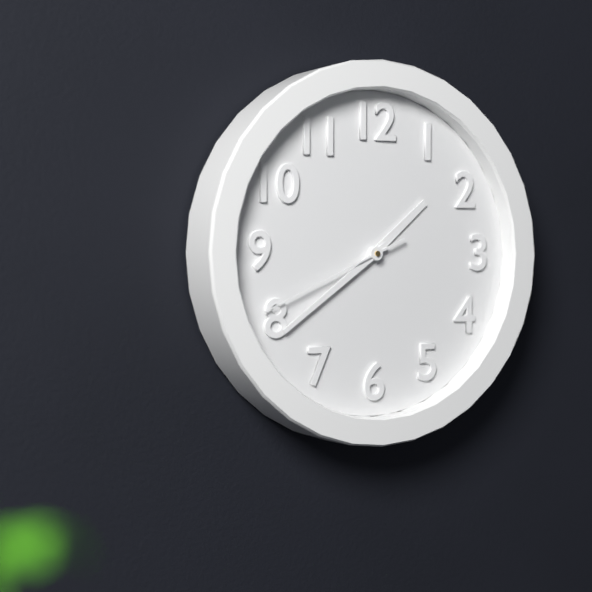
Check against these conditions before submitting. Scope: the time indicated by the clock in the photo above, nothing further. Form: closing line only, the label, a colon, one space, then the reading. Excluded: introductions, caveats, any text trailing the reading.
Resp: 1:39:41
